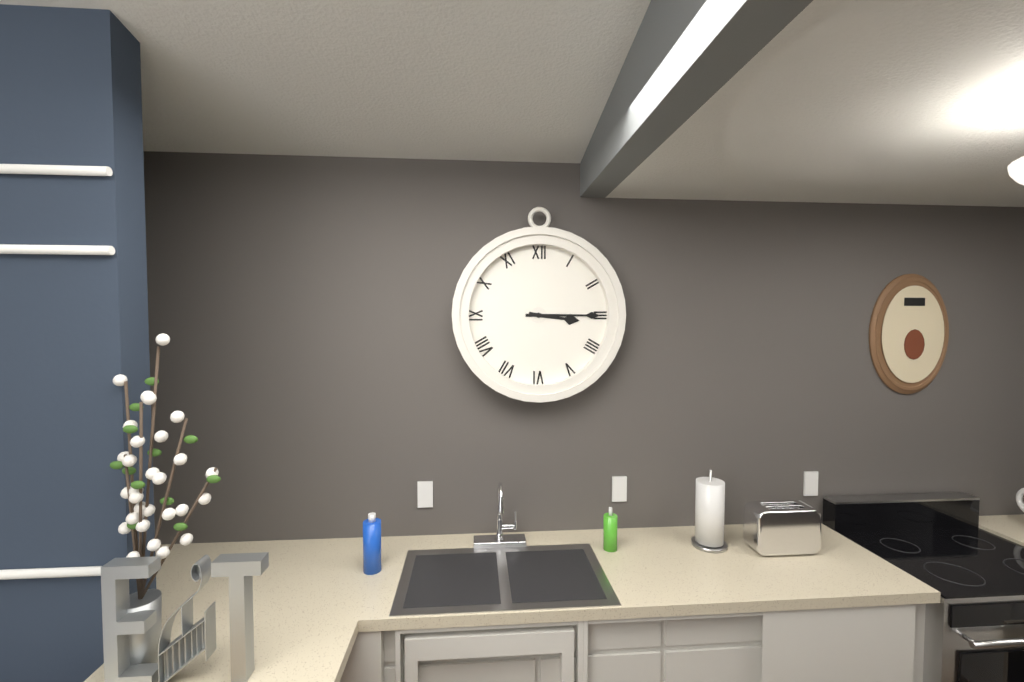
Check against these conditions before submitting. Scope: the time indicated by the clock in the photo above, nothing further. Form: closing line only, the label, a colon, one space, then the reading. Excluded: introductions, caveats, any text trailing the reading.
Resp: 3:15
